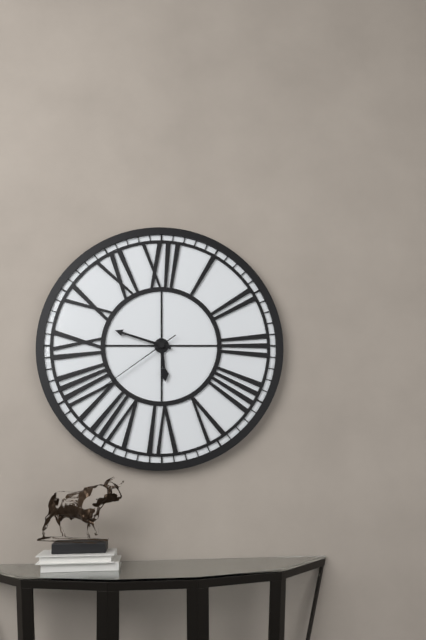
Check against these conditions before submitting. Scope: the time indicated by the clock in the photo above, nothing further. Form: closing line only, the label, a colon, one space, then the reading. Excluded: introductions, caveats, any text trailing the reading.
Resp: 5:48:39
